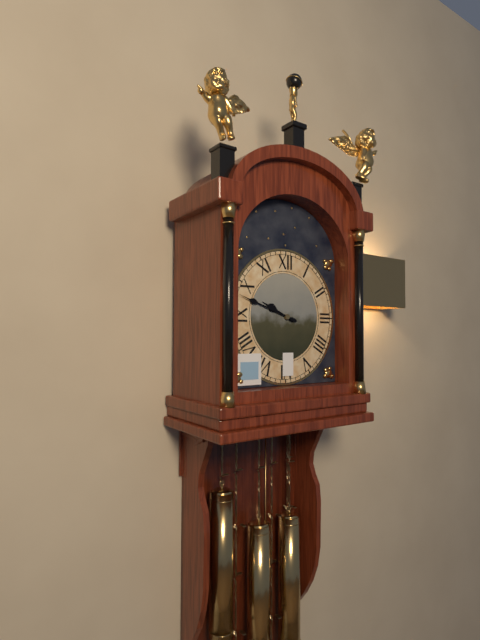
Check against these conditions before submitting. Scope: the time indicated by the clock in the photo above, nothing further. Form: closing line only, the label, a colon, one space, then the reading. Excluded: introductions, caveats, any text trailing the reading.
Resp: 9:48
